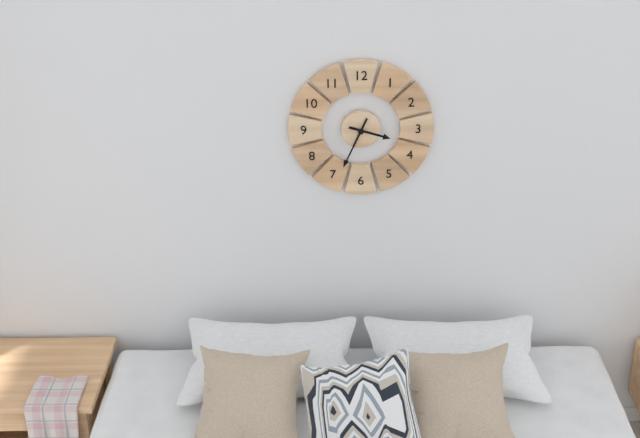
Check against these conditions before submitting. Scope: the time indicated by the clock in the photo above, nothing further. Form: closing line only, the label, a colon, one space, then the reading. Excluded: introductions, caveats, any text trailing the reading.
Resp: 3:34
